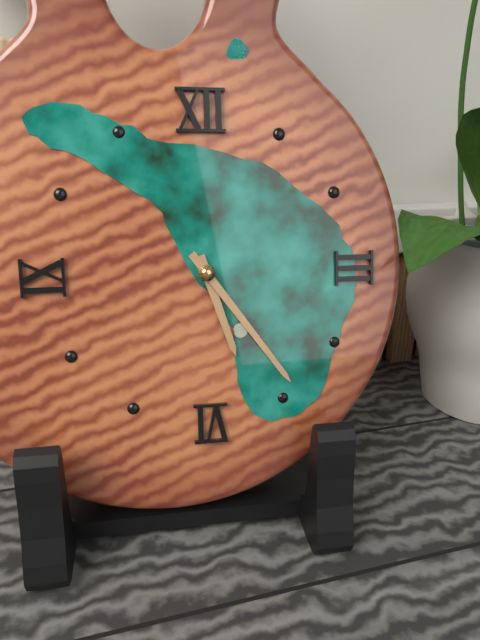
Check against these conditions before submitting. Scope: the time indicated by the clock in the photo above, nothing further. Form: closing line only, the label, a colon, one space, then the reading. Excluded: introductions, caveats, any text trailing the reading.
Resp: 5:24
